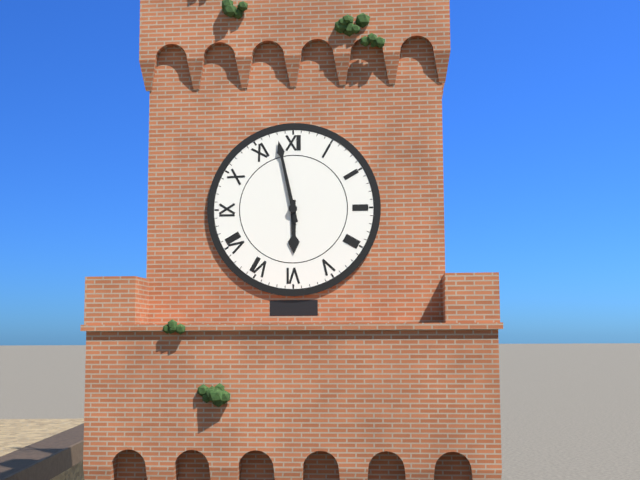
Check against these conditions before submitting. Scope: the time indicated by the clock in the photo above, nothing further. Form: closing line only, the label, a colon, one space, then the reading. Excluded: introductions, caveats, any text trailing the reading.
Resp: 5:58
